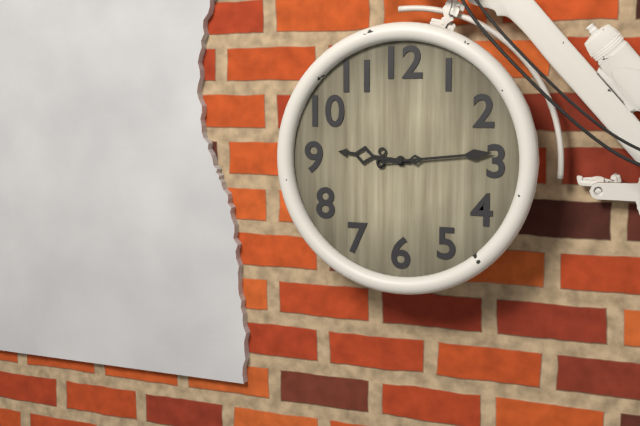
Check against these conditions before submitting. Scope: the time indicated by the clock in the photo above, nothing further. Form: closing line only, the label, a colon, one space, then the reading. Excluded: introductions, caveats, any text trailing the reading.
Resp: 9:14
